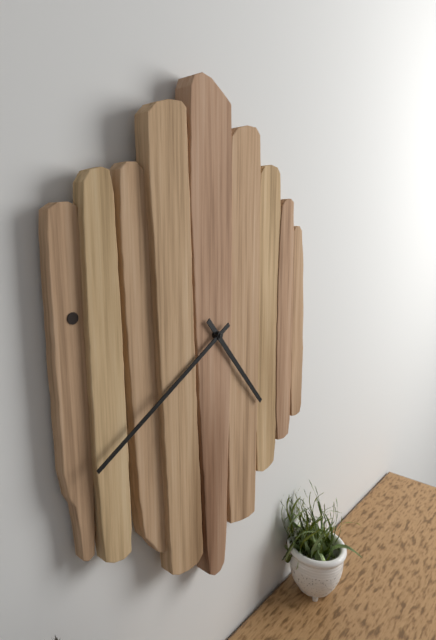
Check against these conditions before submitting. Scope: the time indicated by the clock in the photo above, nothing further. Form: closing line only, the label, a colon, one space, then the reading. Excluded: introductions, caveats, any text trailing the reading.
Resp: 4:40
